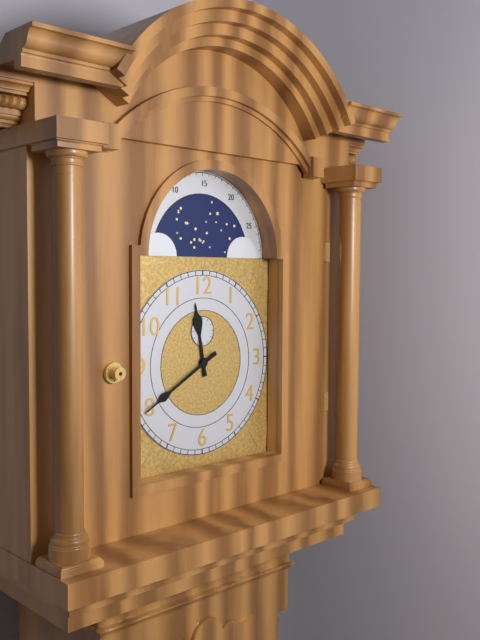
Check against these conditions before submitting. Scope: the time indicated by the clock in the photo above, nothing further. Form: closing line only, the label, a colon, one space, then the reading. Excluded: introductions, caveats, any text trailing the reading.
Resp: 11:40
